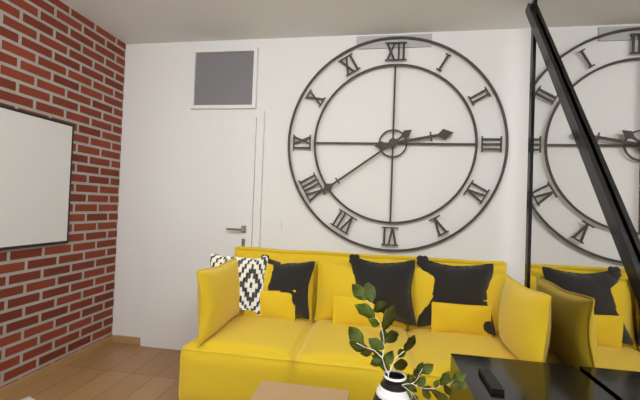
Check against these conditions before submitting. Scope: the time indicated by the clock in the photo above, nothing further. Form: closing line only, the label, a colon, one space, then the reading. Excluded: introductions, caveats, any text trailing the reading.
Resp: 2:39
